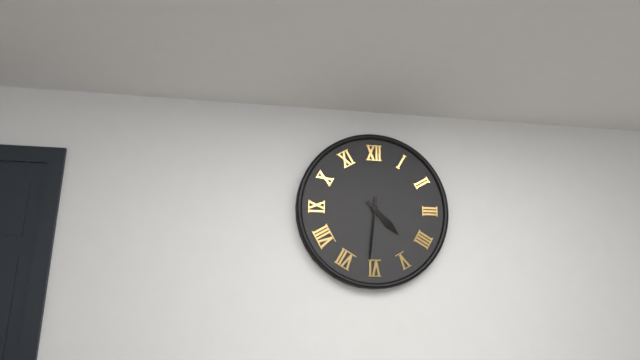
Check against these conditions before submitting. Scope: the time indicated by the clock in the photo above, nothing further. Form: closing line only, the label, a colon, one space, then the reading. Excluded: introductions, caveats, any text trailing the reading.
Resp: 4:31
